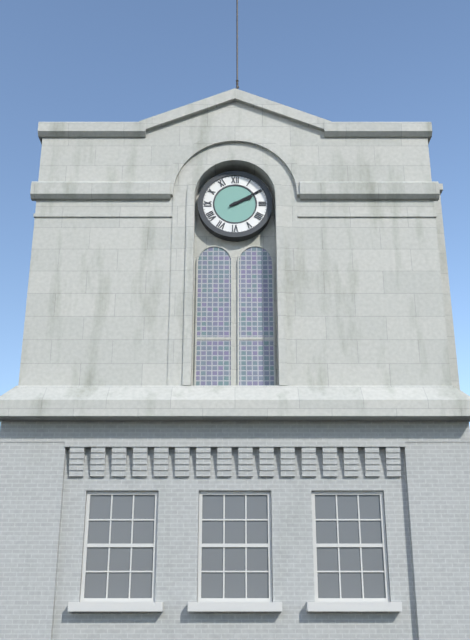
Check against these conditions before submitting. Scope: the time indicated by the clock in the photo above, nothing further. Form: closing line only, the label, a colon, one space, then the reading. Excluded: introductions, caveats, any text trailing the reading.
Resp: 2:10
